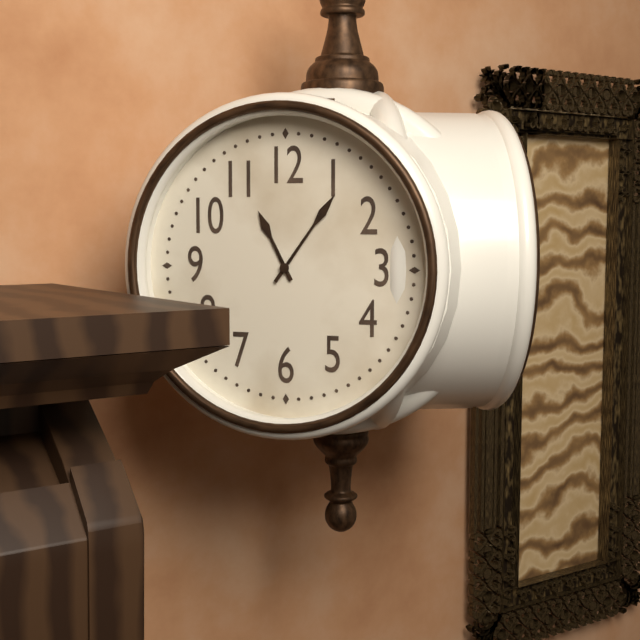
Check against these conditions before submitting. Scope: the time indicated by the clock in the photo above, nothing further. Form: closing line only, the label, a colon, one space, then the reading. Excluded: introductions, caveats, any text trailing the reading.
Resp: 11:06
